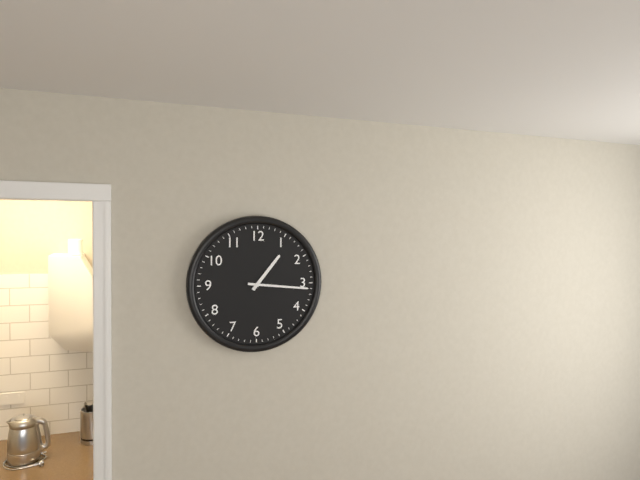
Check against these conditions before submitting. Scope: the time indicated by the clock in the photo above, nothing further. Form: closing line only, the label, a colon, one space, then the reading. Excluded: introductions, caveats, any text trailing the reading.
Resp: 1:16
